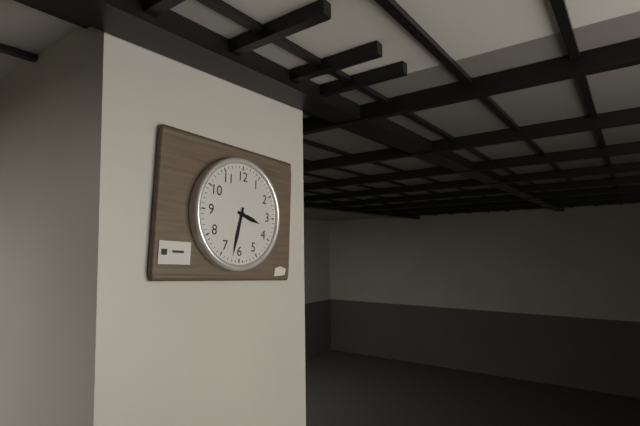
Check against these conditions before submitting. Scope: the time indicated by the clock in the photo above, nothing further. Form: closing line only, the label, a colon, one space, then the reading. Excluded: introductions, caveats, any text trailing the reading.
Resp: 3:32
